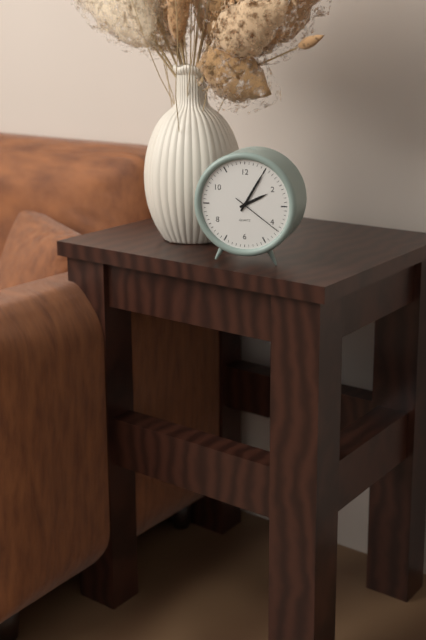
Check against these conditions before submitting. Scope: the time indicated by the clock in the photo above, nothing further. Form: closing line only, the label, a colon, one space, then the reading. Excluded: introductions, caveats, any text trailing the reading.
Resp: 2:05:21
